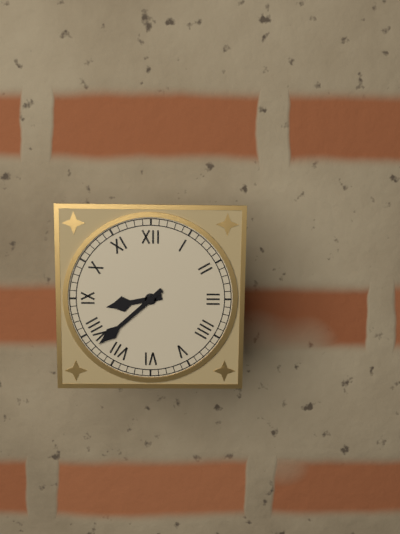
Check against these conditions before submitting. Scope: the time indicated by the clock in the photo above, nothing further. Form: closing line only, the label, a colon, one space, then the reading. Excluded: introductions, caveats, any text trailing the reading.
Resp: 8:38
